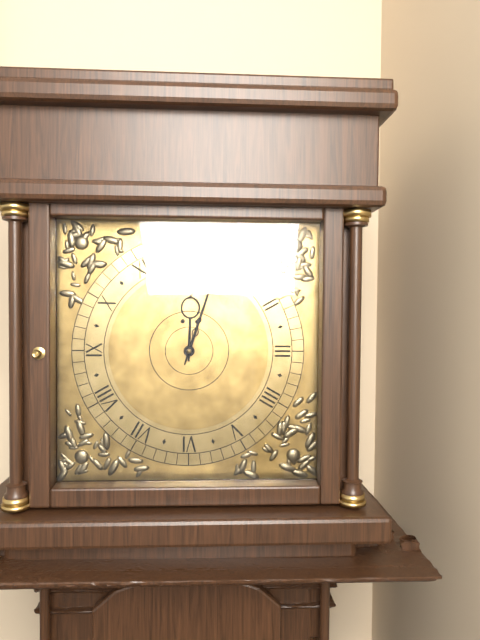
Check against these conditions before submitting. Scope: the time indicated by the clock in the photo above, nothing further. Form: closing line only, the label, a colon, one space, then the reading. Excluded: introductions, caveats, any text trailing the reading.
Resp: 12:03
